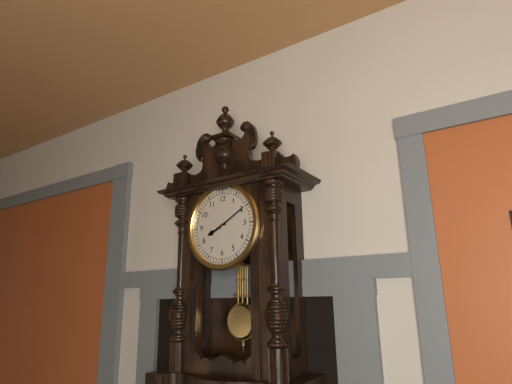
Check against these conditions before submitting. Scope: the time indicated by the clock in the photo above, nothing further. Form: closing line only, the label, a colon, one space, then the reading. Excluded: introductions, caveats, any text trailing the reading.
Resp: 8:10
